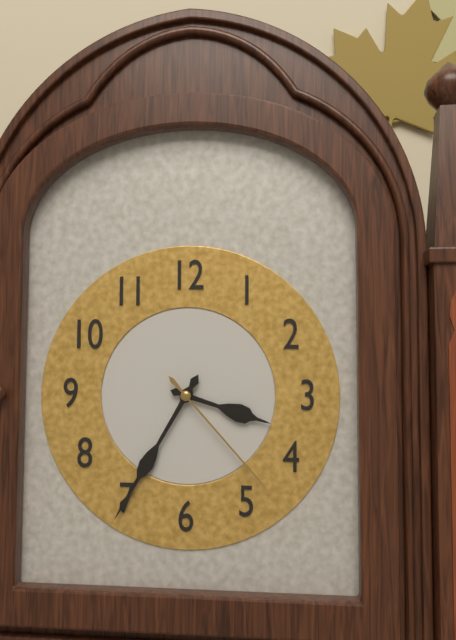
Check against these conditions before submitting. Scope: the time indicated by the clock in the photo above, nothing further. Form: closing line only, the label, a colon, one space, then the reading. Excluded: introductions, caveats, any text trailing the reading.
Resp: 3:35:23
